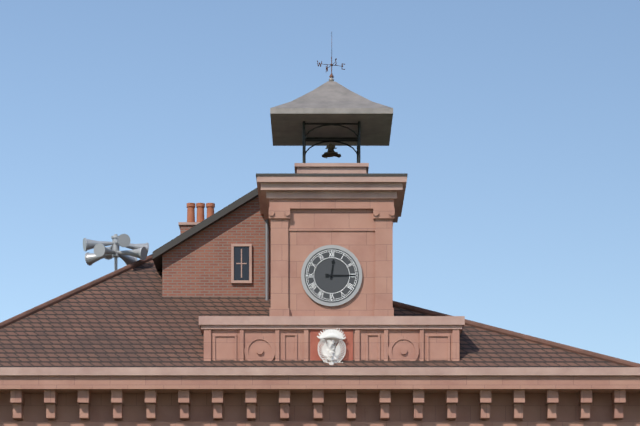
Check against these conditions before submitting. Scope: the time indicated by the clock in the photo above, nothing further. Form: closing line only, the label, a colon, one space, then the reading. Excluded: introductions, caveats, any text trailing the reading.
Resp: 12:15
